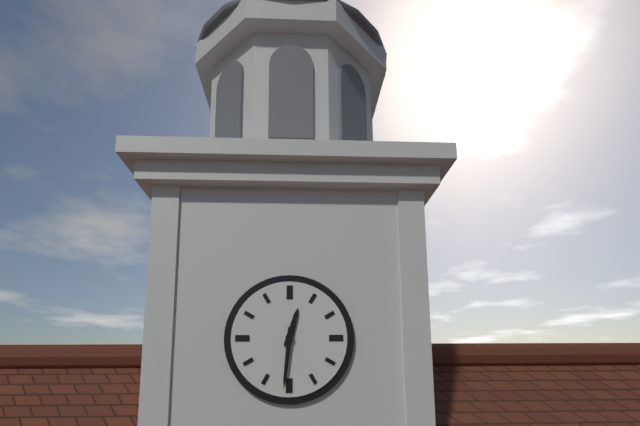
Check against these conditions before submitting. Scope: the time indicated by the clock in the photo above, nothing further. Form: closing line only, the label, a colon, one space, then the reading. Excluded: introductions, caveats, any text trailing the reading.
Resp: 12:31
